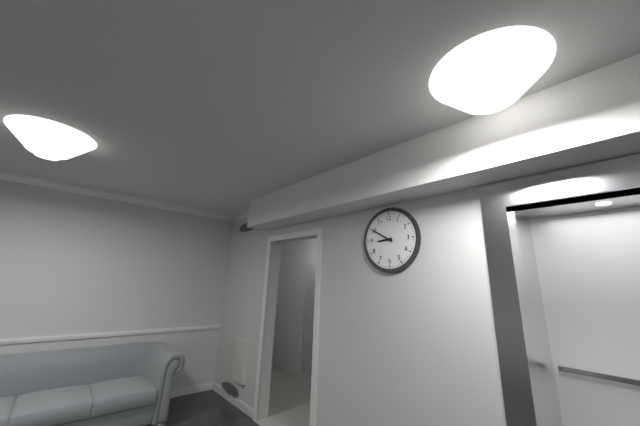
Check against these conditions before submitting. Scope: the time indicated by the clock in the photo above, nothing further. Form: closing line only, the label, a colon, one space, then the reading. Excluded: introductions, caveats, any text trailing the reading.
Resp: 8:50
